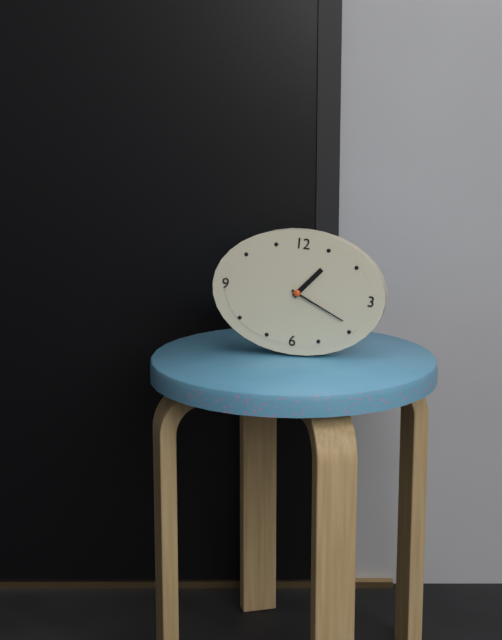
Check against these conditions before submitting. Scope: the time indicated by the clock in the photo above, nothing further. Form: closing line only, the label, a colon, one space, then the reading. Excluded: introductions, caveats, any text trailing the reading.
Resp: 1:19
